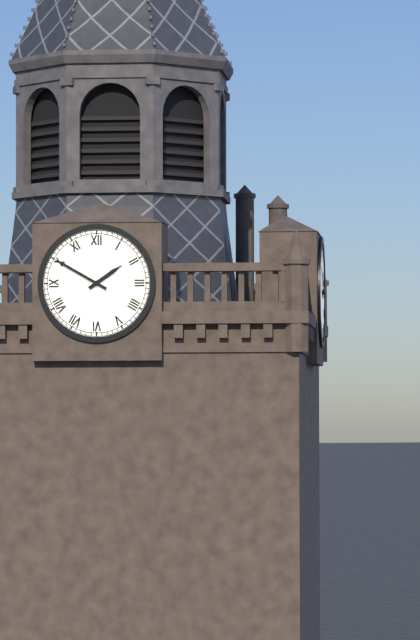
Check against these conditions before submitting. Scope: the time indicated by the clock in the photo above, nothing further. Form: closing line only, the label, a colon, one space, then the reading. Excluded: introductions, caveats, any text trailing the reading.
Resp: 1:50
